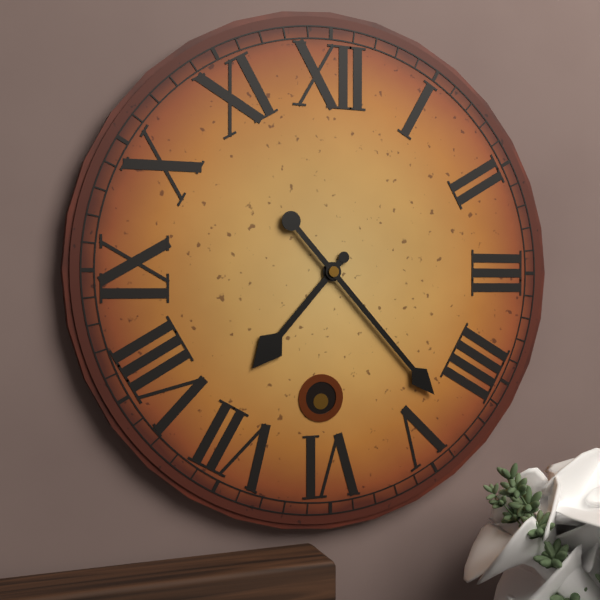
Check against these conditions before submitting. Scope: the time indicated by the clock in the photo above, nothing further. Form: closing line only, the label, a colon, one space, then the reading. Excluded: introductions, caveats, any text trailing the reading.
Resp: 7:23
